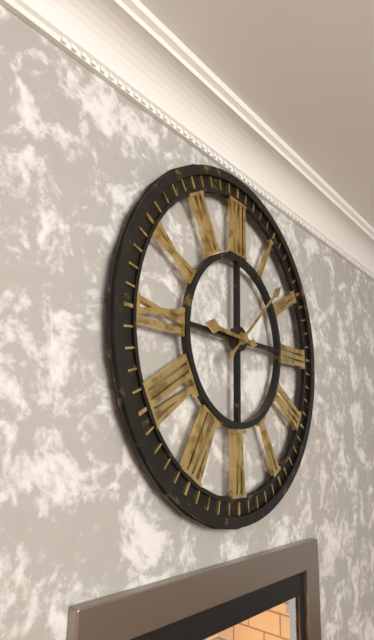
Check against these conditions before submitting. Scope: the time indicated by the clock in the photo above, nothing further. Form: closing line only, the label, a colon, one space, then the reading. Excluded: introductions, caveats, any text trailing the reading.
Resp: 9:08
